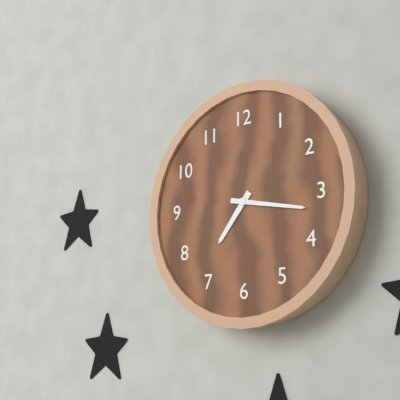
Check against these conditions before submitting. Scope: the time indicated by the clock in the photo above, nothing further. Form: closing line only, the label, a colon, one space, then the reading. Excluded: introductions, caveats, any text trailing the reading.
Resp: 7:17
